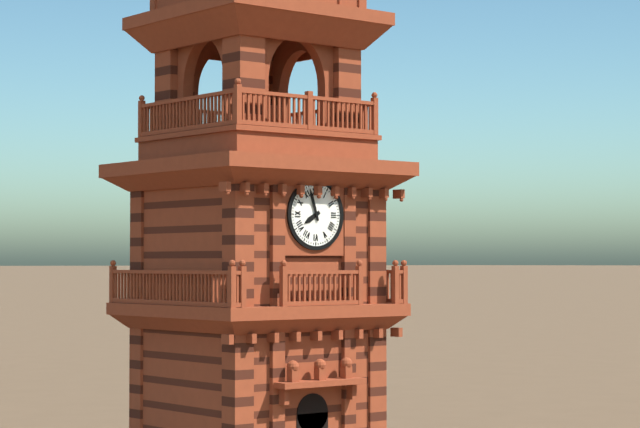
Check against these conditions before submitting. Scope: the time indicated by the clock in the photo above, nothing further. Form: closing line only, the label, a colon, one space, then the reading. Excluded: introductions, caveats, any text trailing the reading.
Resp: 7:57
